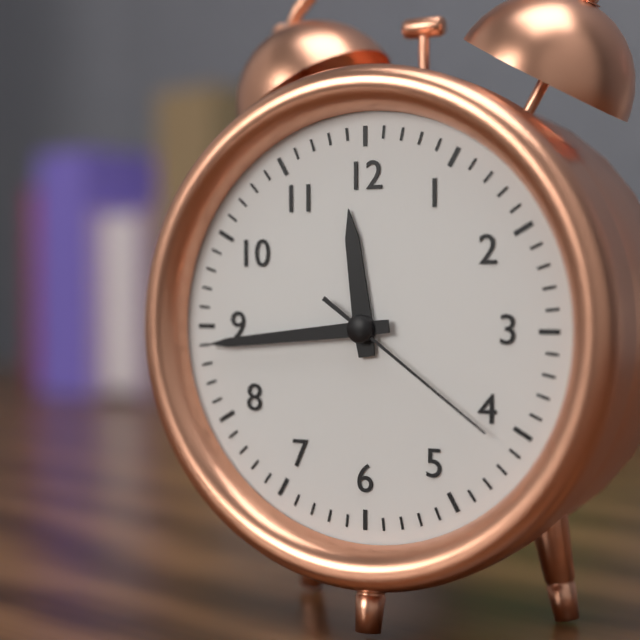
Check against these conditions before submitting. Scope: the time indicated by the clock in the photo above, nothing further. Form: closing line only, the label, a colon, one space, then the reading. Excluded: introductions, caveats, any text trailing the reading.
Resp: 11:44:21
